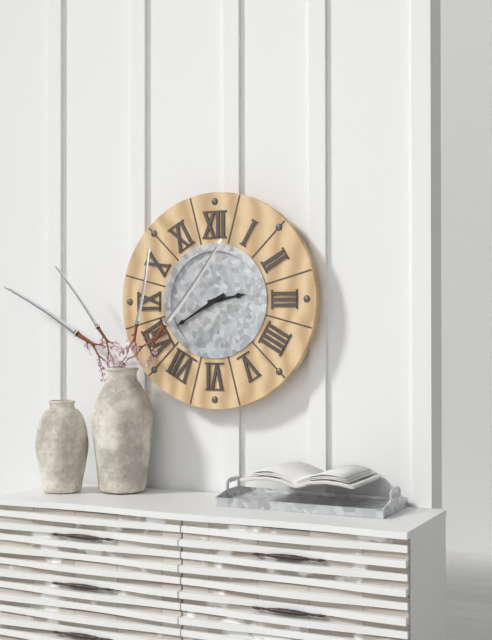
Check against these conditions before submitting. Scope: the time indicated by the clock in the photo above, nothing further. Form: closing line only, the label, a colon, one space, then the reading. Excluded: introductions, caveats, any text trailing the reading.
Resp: 2:40
